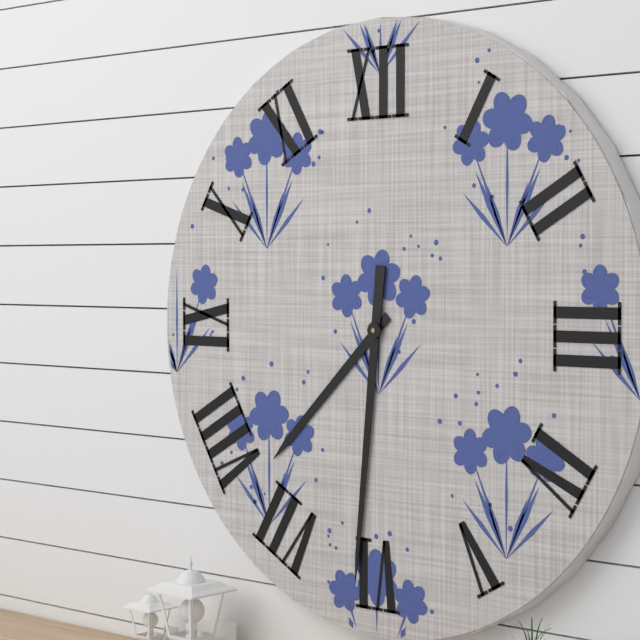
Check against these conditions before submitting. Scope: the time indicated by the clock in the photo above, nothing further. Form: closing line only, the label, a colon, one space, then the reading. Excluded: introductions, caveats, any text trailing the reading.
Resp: 7:31
